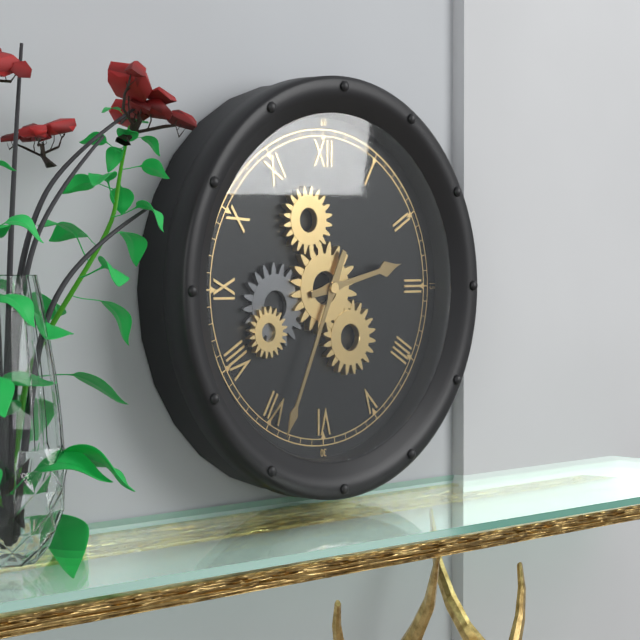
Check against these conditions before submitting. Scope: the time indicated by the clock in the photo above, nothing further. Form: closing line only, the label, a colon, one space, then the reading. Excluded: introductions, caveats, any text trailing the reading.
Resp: 2:34
